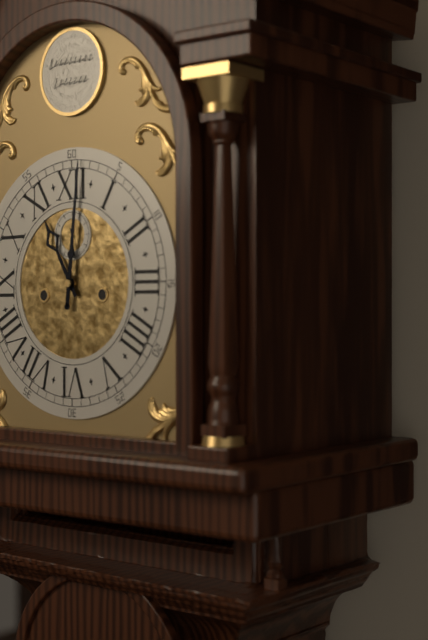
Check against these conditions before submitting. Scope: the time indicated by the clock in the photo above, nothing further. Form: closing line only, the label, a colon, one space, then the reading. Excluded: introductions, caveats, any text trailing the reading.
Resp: 11:01:28
